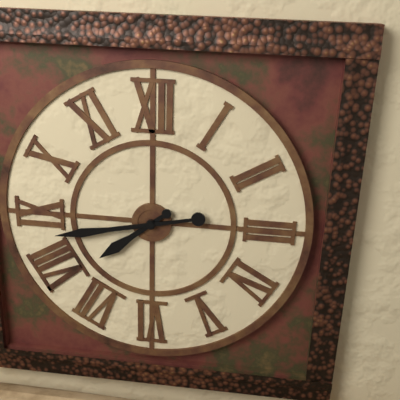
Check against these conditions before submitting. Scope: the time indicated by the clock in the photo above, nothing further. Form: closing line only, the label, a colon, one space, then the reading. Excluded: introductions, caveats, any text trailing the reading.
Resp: 7:43
